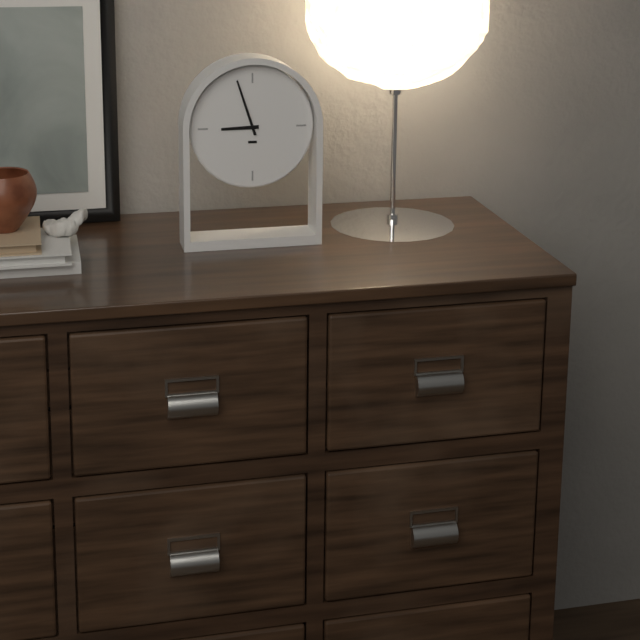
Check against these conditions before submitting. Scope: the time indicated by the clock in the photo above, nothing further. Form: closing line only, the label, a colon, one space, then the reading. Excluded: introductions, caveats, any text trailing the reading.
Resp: 8:57
